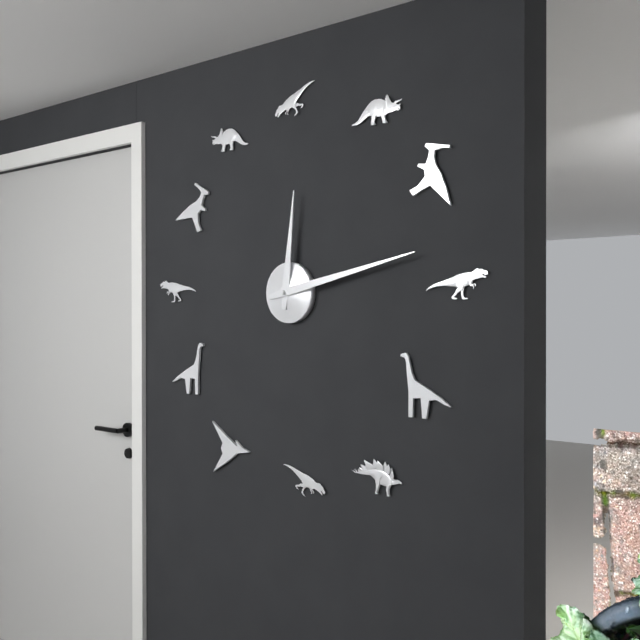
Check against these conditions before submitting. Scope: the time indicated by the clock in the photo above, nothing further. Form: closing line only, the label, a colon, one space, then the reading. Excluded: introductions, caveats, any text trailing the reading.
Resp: 12:13
